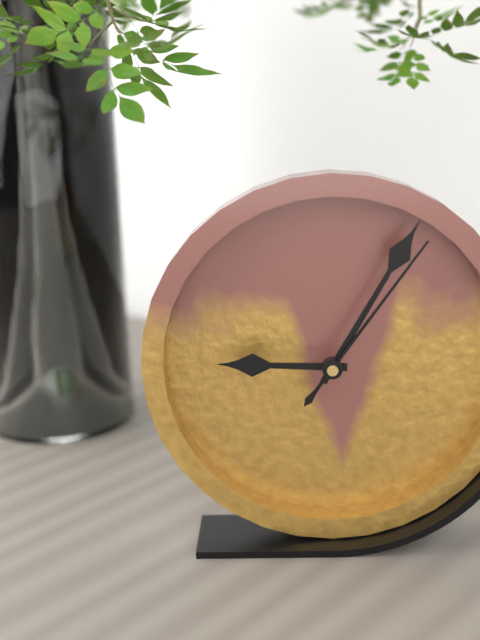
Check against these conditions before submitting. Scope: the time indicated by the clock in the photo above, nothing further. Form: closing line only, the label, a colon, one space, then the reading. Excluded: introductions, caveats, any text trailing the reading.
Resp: 9:05:06
